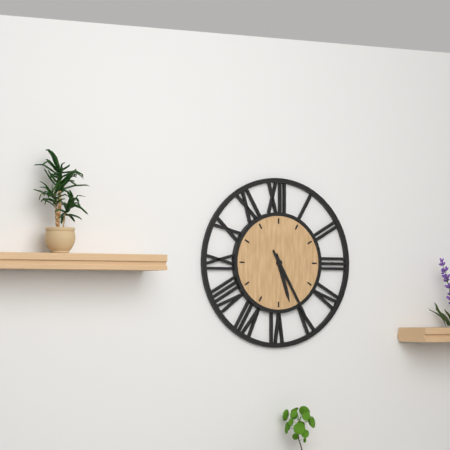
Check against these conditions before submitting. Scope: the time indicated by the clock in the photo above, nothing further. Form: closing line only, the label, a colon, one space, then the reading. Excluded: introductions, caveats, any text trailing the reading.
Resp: 5:25
